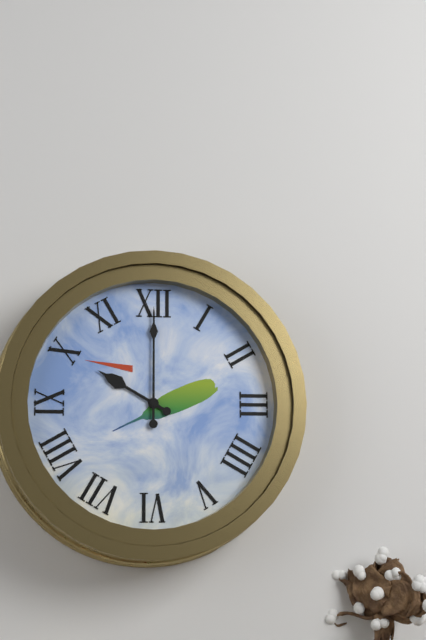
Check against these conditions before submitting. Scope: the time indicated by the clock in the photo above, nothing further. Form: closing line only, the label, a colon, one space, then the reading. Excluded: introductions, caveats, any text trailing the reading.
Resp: 10:00
